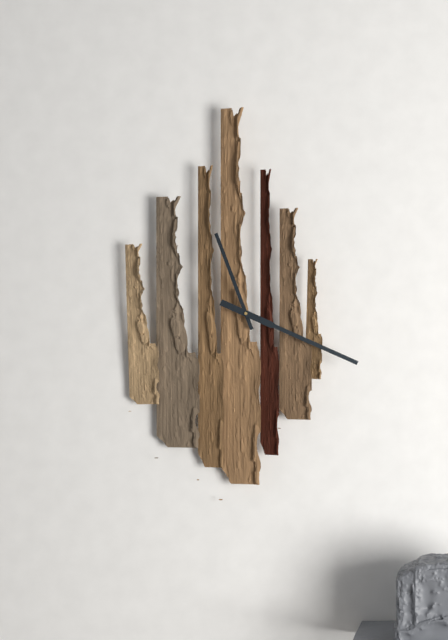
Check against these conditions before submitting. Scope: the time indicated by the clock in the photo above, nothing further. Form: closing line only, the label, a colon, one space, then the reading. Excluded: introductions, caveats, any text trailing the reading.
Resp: 11:19
